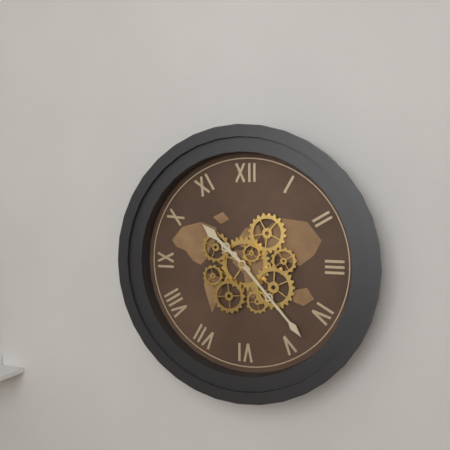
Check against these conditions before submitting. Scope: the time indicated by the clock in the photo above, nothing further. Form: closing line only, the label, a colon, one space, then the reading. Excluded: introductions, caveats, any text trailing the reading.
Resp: 10:23
